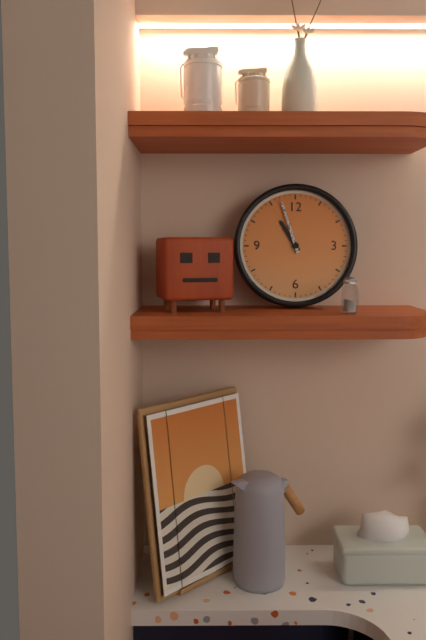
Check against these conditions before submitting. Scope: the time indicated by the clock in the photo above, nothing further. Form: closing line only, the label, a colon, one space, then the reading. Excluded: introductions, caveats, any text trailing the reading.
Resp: 10:57
